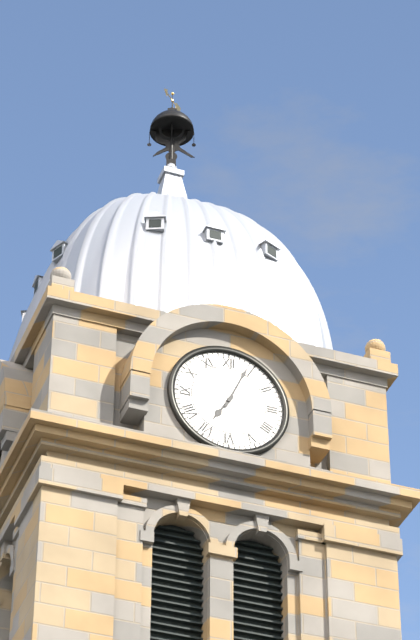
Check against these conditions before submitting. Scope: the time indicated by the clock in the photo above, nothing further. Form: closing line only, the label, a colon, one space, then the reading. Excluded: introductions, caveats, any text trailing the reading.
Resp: 7:04
